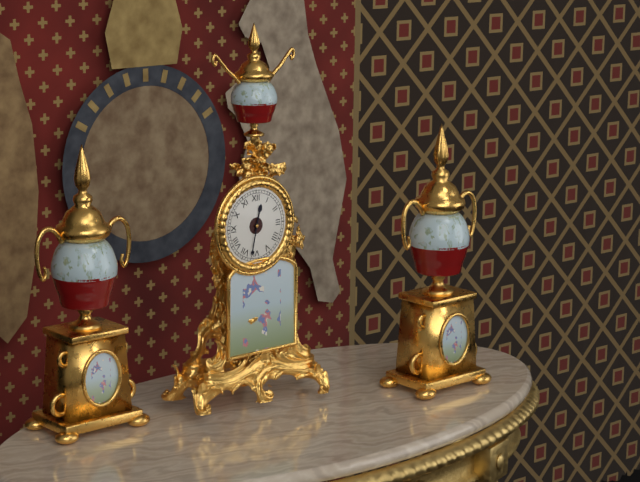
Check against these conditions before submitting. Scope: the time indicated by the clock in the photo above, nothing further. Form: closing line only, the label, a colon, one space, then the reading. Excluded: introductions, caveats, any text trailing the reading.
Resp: 12:32
